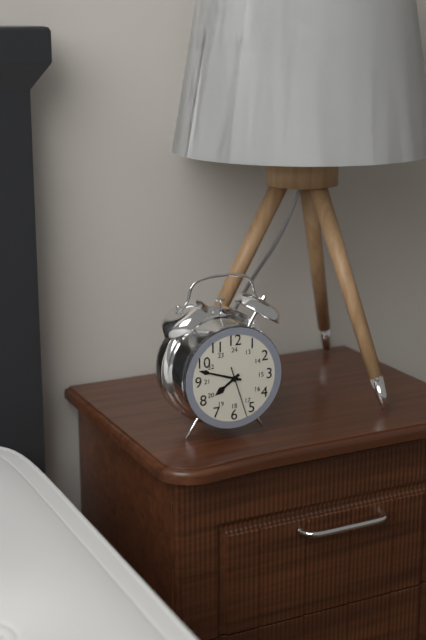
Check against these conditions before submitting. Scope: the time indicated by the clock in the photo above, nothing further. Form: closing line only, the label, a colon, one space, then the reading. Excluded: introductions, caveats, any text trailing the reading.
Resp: 7:48:27
